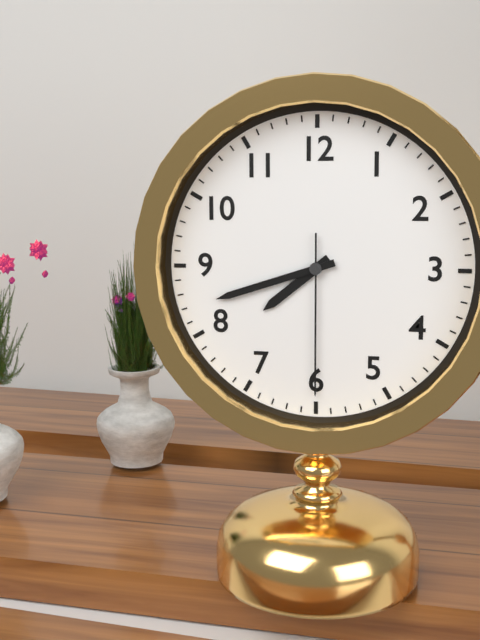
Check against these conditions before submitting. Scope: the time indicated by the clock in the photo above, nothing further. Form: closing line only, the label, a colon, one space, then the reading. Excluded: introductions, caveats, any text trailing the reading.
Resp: 7:42:30
